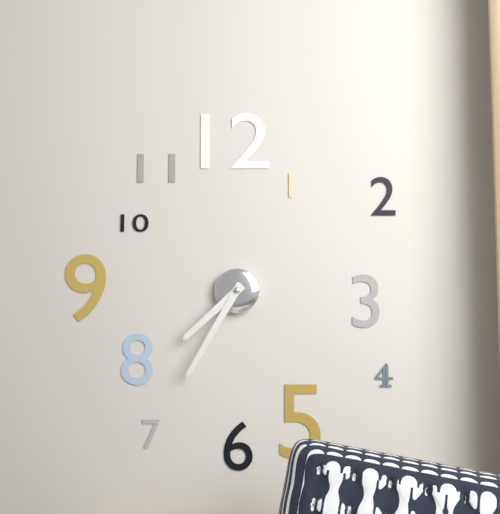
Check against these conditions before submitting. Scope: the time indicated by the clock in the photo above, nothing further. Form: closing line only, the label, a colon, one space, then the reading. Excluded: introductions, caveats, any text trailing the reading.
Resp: 7:35
